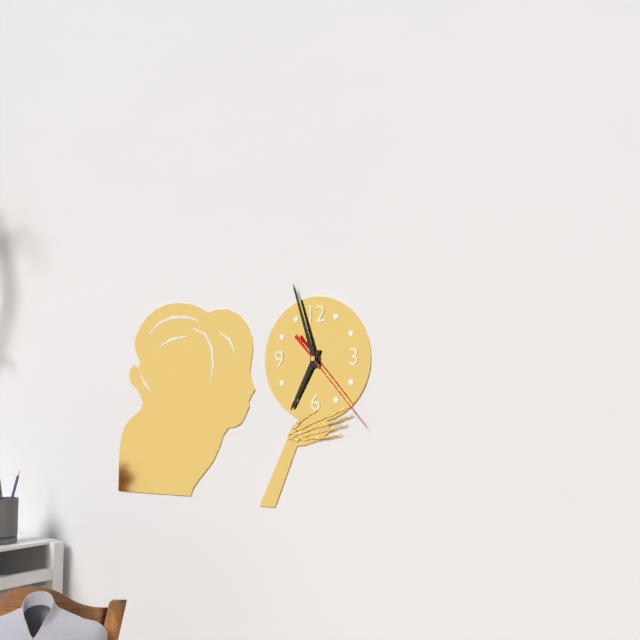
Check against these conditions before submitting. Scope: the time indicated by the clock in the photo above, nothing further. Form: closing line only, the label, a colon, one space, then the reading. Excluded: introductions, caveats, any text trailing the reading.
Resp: 6:57:23
